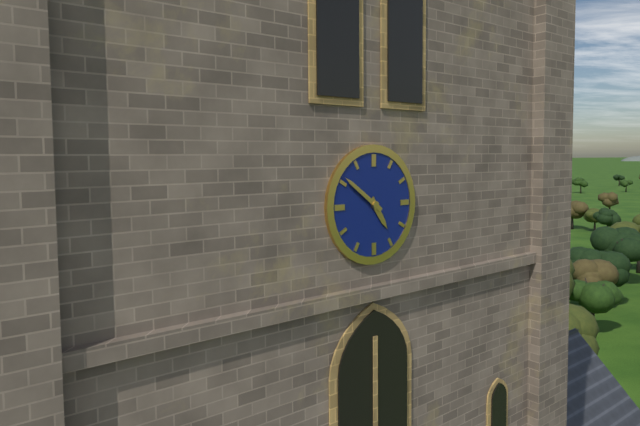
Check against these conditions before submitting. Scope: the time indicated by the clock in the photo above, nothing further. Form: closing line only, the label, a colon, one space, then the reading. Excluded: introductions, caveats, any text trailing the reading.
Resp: 4:51
